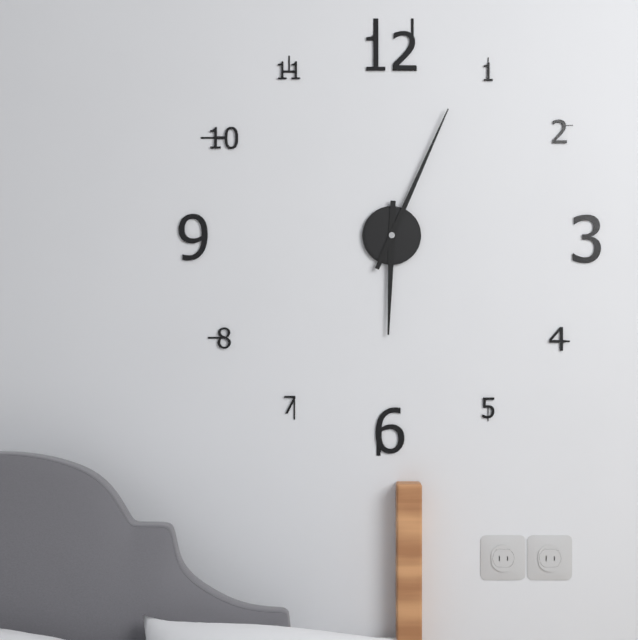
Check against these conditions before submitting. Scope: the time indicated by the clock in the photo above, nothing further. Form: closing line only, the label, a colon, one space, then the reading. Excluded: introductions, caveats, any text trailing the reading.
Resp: 6:04
